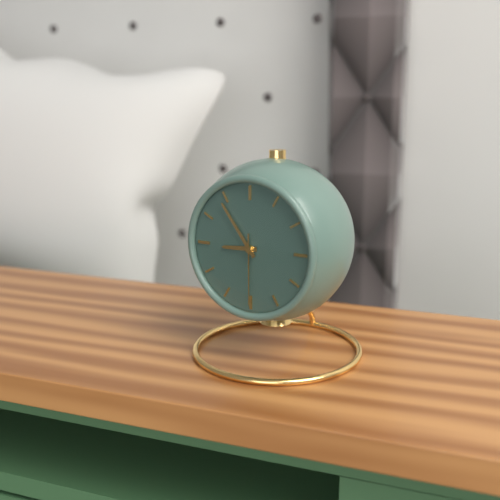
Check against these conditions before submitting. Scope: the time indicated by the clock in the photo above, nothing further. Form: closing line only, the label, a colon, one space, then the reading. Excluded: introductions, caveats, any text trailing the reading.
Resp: 8:54:30
